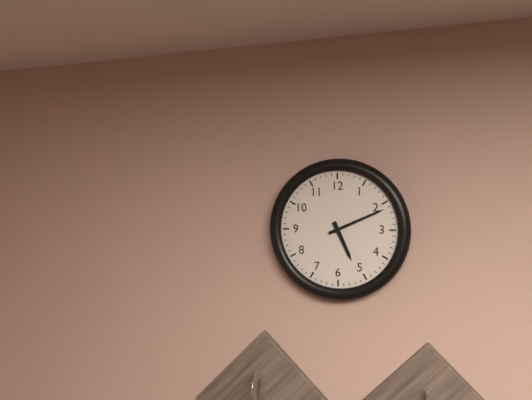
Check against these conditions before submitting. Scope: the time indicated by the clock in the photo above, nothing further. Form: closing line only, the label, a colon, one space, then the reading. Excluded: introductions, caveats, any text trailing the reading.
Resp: 5:11
